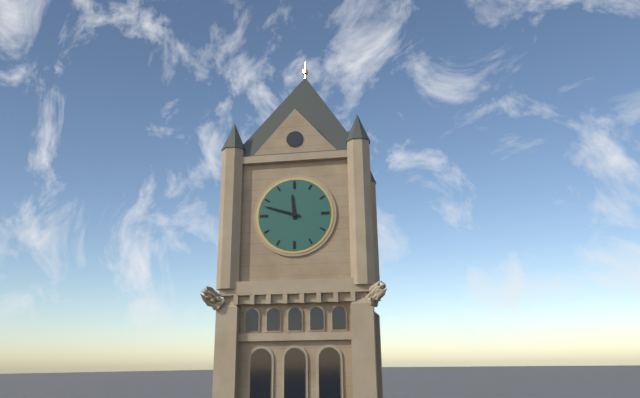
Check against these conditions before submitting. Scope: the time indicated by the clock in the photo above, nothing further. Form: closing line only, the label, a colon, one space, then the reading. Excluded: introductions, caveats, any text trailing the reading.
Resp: 11:48
